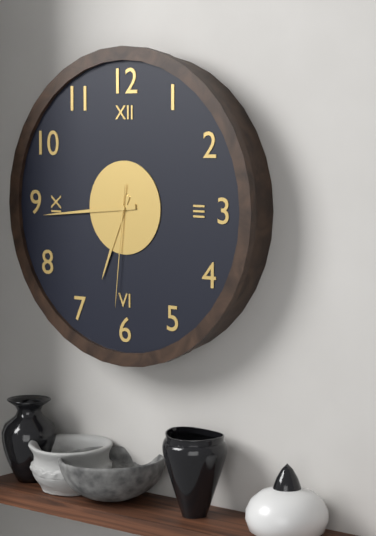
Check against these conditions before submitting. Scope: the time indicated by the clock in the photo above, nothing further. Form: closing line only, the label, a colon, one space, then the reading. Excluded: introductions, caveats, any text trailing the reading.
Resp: 6:44:31
